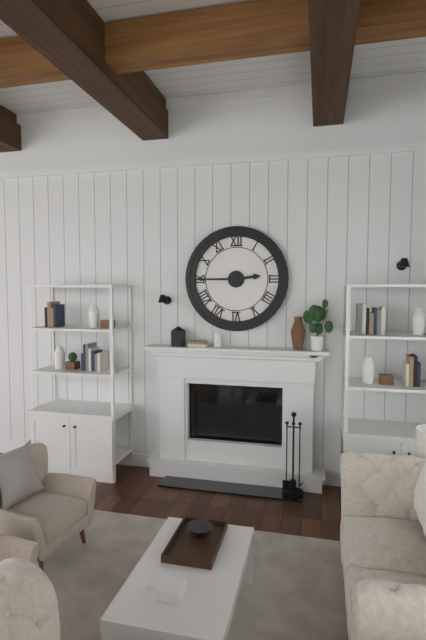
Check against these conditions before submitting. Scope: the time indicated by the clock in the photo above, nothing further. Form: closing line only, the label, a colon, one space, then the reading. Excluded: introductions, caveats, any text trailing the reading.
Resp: 2:45
